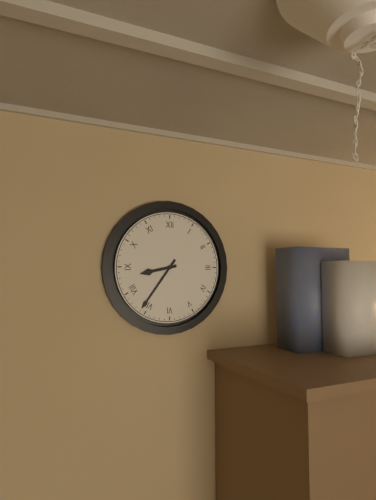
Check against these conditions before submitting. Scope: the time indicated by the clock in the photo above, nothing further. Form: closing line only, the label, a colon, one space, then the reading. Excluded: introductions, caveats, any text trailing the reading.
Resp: 8:36
